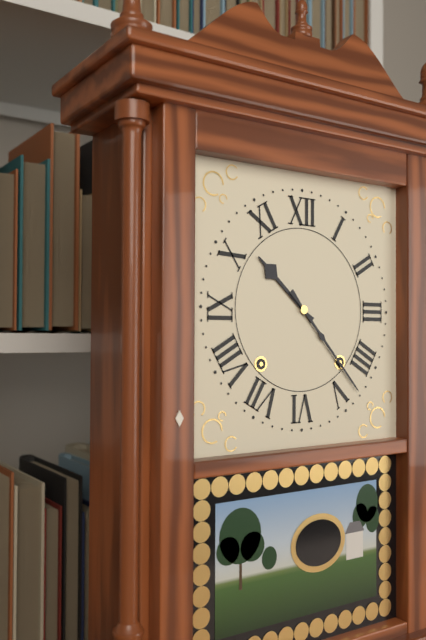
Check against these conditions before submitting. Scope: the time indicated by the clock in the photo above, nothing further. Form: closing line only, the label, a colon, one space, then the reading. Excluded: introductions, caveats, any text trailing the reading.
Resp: 10:23
